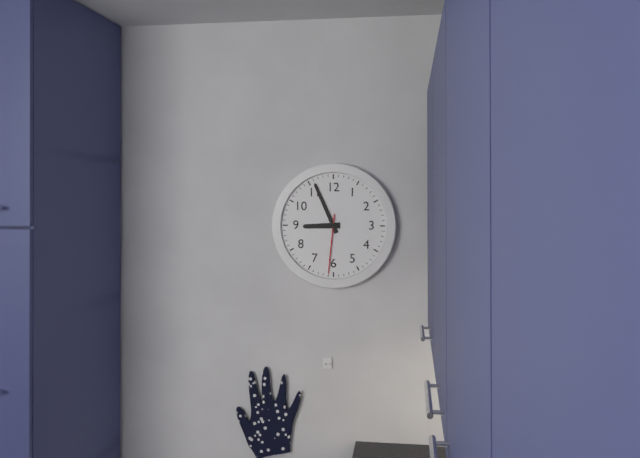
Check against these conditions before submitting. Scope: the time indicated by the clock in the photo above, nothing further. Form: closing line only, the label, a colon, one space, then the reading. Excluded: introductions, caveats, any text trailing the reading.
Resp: 8:56:31
